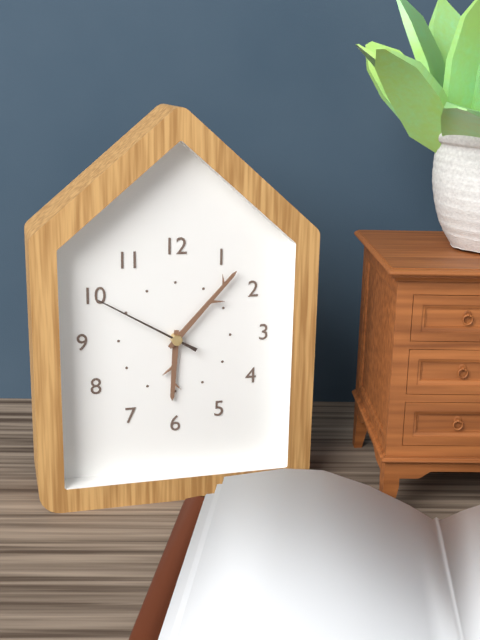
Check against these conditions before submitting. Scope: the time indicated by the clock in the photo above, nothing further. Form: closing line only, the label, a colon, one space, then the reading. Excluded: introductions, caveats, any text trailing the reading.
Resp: 6:07:50
